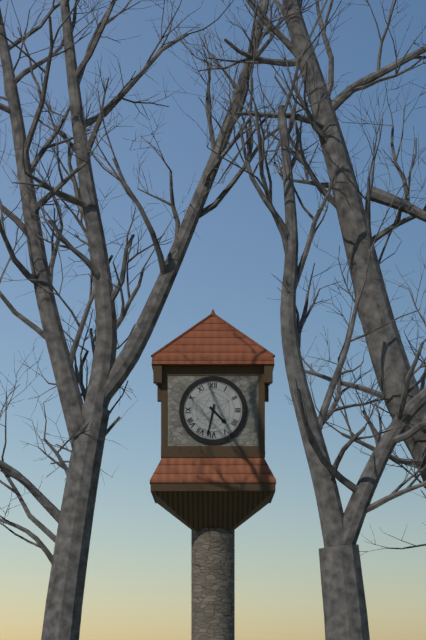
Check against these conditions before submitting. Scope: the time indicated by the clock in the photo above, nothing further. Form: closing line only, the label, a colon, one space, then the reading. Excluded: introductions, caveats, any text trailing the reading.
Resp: 4:32
